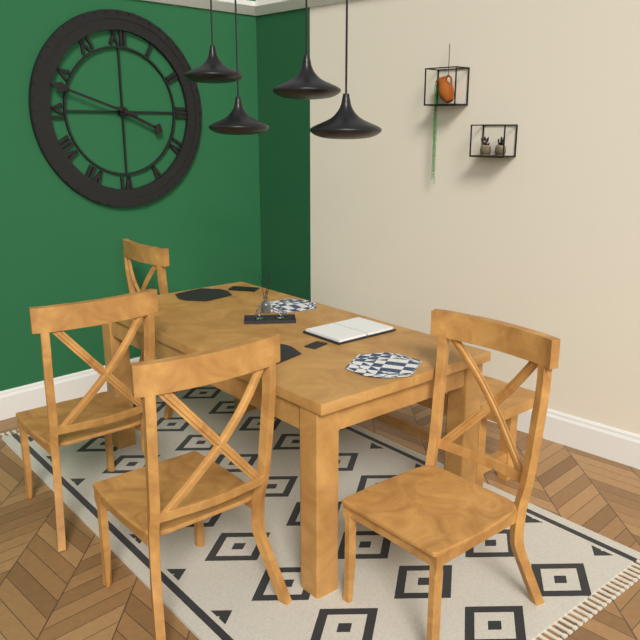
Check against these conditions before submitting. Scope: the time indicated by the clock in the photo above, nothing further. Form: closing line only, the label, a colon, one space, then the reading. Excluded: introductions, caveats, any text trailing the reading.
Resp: 3:48
